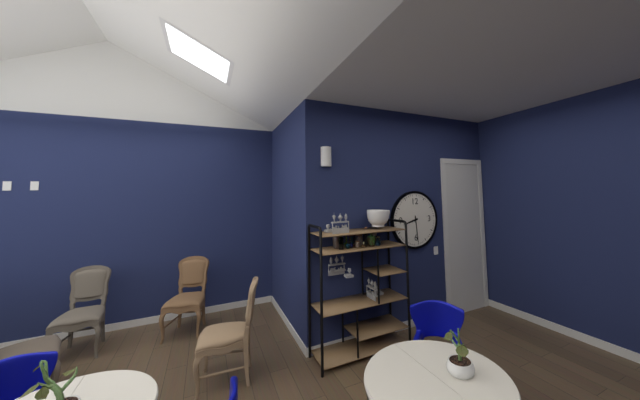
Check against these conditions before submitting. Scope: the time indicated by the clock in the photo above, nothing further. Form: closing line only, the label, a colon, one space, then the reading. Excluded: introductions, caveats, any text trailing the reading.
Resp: 8:29
